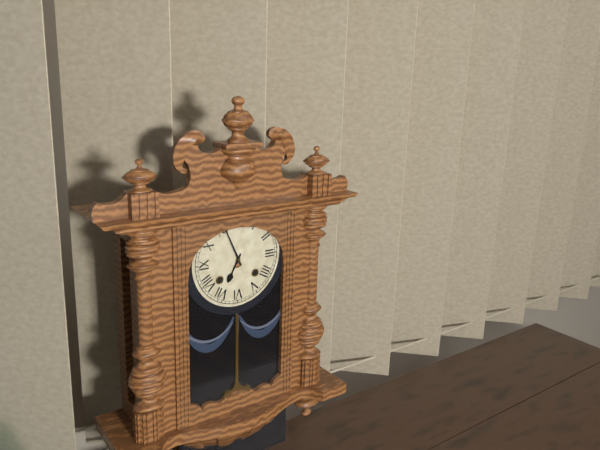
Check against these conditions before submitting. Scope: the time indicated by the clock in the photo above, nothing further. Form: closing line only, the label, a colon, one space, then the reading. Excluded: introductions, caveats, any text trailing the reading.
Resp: 6:56
